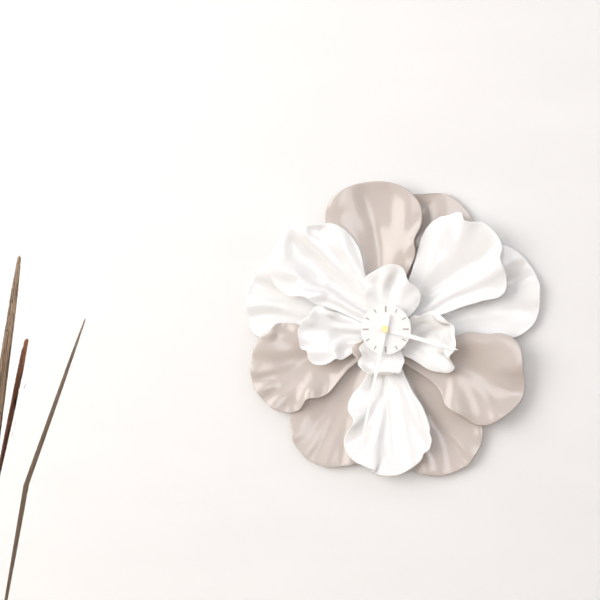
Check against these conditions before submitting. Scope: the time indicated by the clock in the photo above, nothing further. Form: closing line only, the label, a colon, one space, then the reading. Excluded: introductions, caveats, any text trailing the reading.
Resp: 3:32
